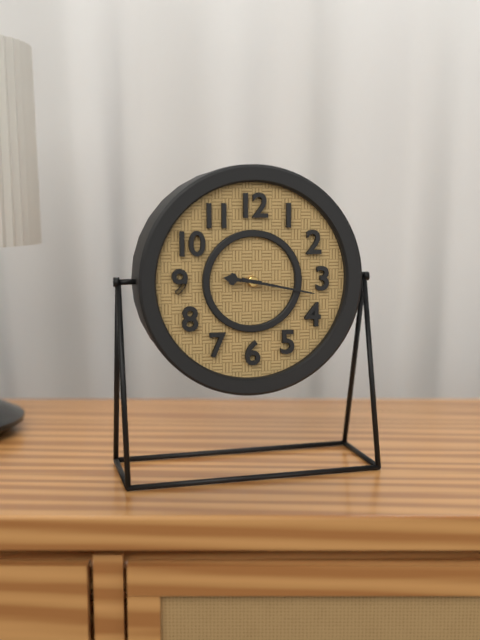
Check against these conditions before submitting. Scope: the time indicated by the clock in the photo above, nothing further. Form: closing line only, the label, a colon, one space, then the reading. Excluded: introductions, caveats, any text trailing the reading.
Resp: 9:17
